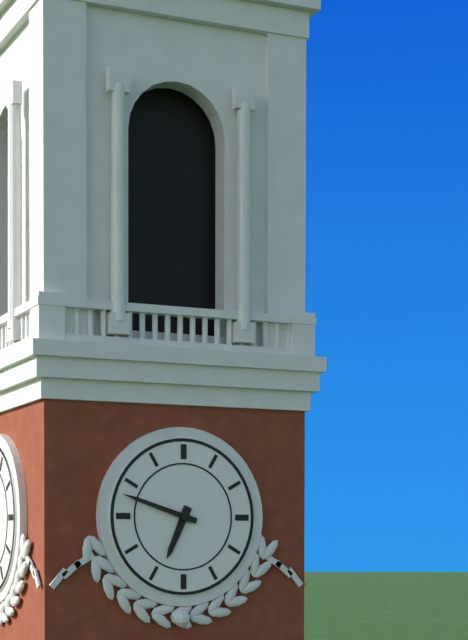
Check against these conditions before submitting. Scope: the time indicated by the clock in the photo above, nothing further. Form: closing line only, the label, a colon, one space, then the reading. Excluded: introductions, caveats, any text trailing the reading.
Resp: 6:48
